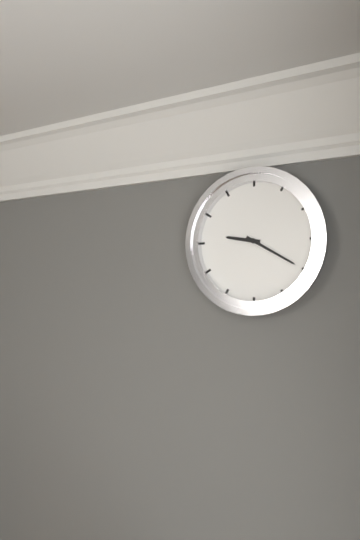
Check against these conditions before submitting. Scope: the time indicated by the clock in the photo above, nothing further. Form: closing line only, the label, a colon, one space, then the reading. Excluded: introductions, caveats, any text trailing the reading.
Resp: 9:20
